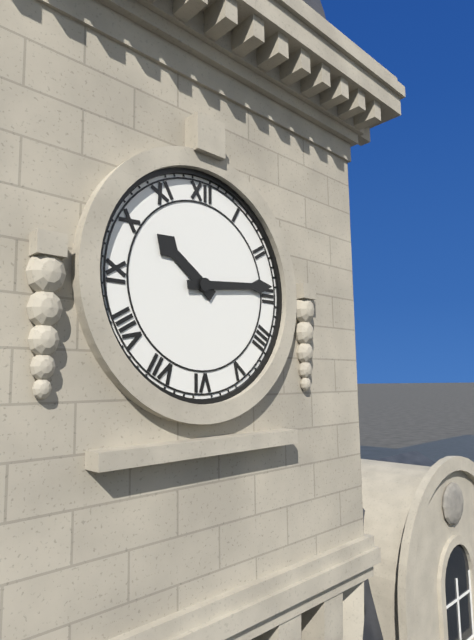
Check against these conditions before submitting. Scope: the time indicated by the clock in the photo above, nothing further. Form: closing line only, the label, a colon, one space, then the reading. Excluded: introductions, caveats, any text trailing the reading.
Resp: 10:14
